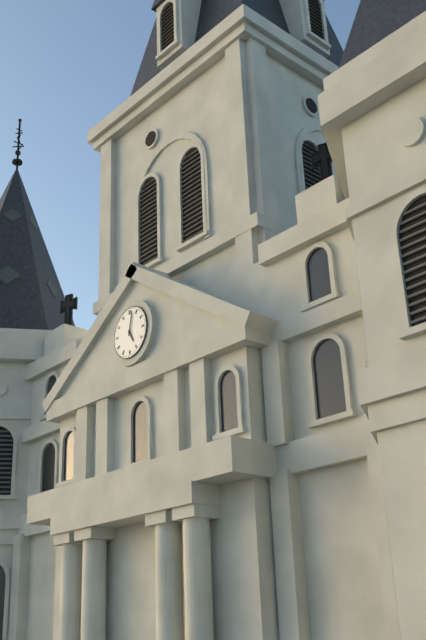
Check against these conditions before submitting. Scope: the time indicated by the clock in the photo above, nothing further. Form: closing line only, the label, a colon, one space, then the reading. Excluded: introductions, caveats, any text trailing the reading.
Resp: 5:02
